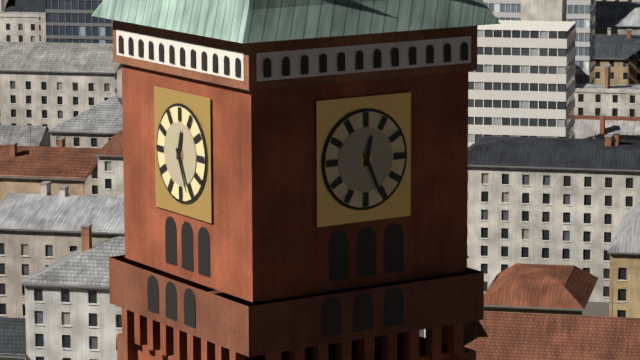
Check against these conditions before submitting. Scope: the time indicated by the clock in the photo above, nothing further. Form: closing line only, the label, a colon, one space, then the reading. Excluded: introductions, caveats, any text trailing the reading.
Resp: 12:26
